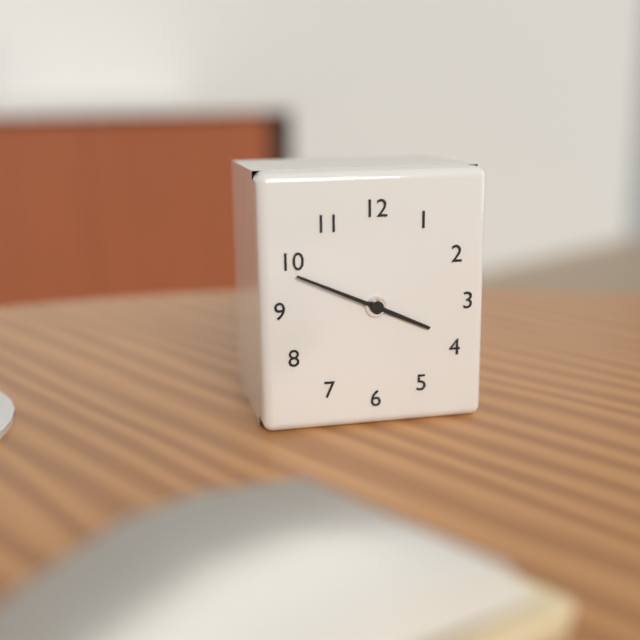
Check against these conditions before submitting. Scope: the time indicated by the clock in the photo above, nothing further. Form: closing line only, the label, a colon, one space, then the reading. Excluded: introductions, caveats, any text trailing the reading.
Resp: 3:49
